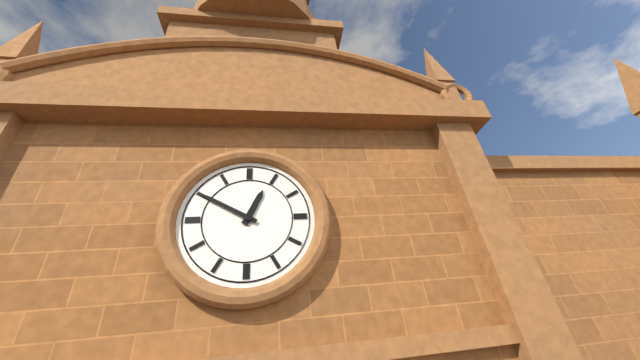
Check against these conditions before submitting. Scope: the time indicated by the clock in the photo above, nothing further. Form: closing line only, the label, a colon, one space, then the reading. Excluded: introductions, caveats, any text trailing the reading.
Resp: 12:50
